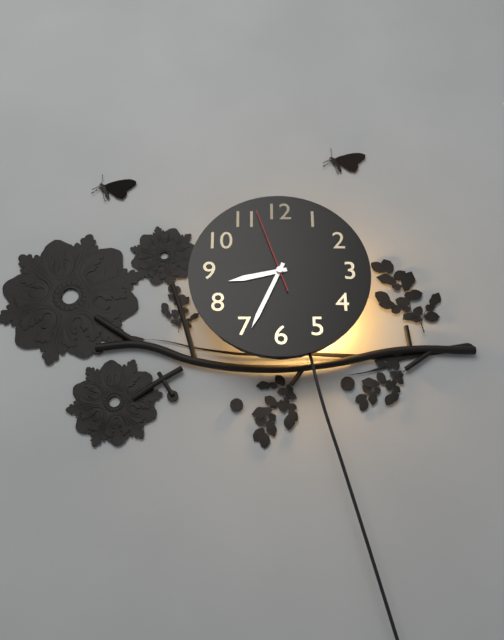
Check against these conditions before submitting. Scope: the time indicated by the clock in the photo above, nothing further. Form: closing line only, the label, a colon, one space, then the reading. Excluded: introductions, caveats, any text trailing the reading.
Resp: 8:34:57
